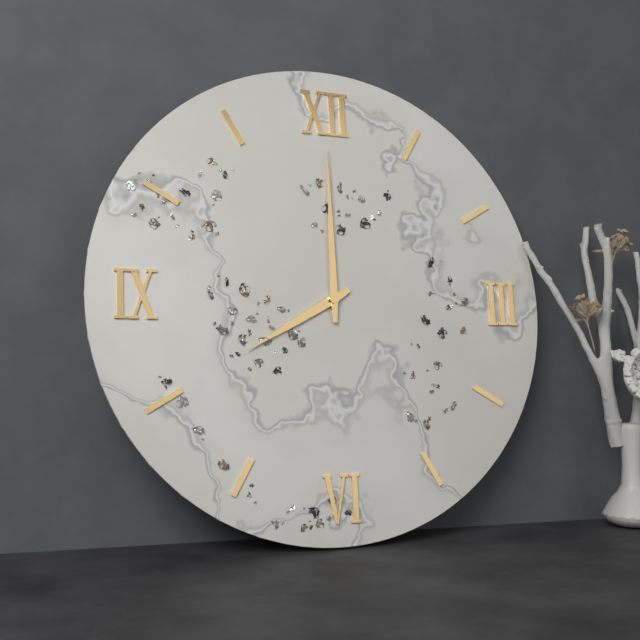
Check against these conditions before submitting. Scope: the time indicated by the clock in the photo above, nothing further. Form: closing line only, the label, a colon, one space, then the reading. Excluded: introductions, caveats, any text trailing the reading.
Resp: 8:00
